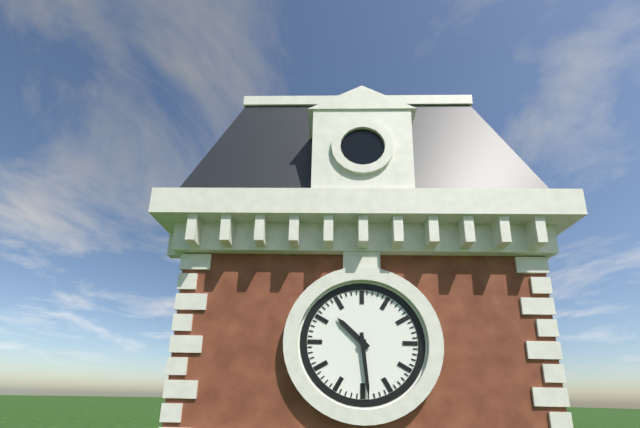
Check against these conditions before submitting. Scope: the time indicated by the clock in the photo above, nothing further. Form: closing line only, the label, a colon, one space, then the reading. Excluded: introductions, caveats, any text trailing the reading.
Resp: 10:29
